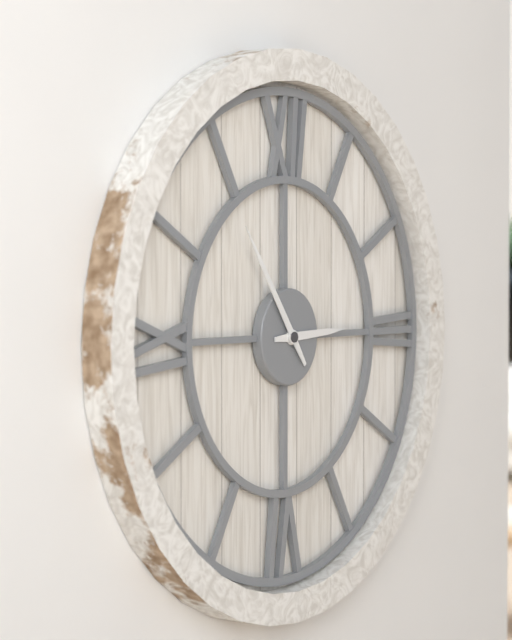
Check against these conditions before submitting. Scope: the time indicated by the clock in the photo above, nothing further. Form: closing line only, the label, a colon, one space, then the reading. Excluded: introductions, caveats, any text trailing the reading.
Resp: 2:54
